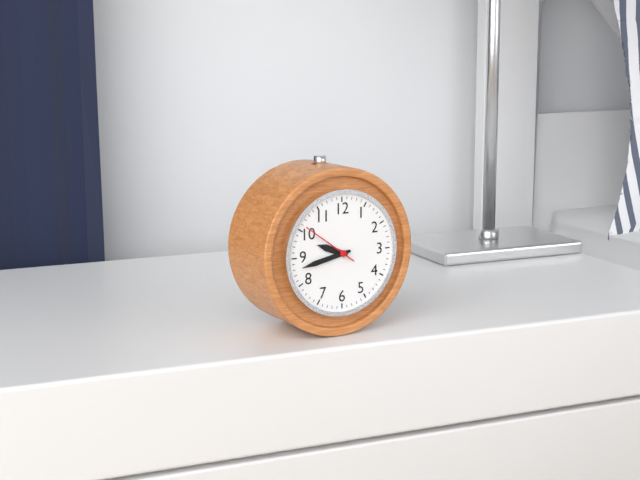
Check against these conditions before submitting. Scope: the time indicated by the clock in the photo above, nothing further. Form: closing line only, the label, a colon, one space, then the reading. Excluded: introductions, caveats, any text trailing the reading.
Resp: 9:43:51
